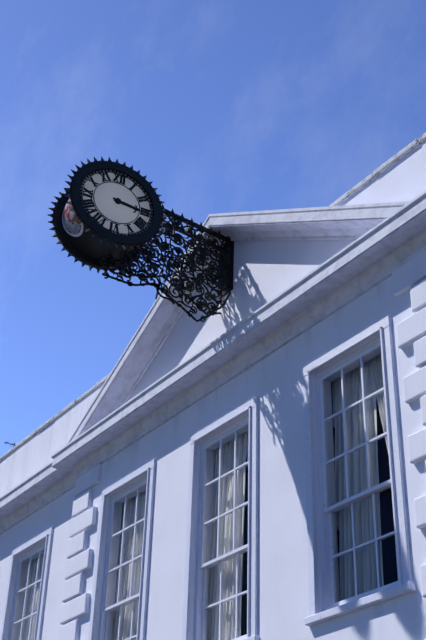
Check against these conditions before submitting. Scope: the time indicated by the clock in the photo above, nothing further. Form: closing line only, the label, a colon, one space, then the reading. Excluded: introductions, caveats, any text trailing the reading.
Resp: 3:16
